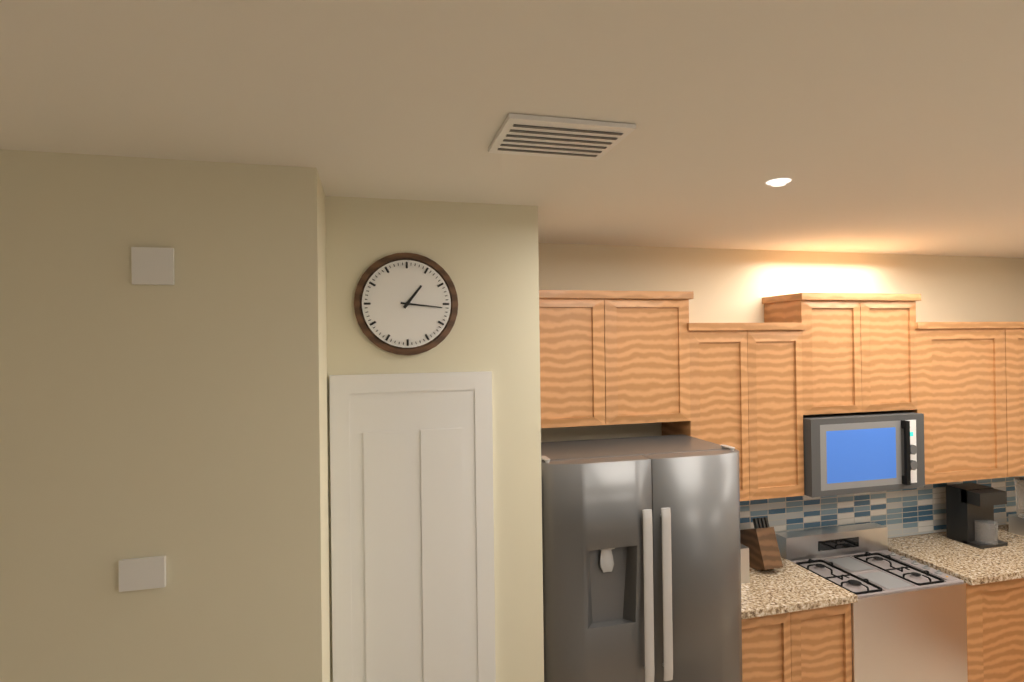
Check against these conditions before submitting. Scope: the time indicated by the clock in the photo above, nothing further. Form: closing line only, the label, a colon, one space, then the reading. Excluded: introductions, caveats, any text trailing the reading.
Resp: 1:16
